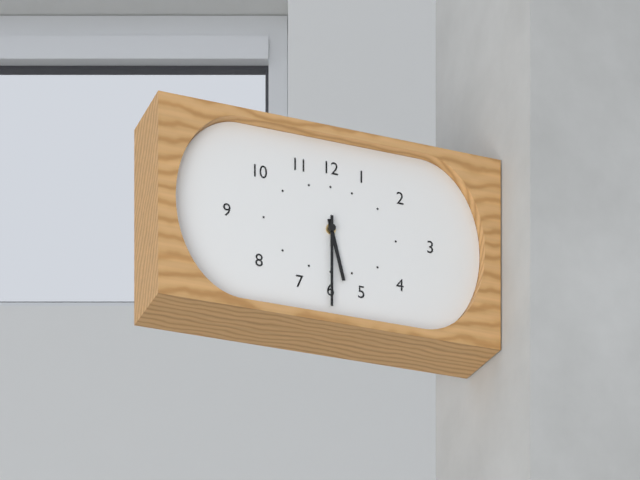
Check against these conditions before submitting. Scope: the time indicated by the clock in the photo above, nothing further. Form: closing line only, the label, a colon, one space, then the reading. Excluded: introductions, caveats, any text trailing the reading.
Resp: 5:30
